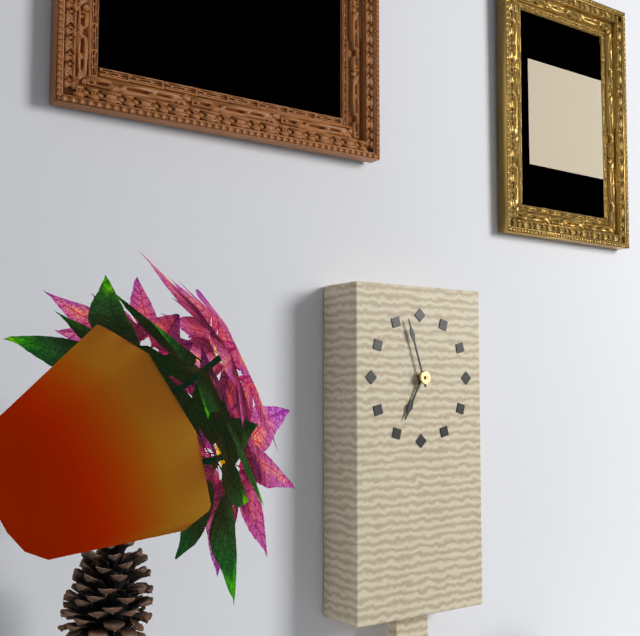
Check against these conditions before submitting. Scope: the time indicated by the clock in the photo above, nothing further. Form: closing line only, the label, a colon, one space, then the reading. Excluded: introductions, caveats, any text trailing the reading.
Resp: 6:57
